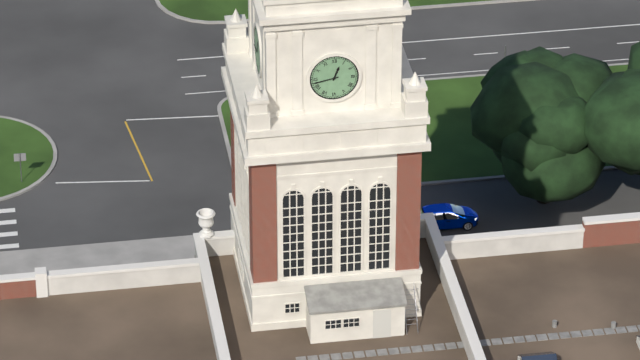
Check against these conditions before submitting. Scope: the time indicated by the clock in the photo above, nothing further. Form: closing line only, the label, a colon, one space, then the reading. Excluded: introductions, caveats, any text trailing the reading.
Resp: 12:43
